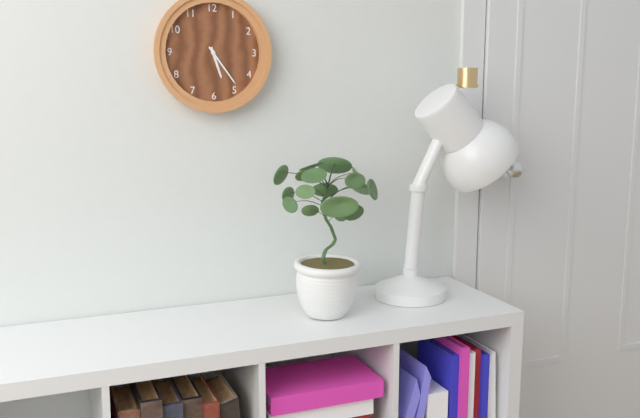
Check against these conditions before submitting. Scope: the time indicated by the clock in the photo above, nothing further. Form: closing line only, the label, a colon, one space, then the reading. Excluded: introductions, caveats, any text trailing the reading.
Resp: 5:24
